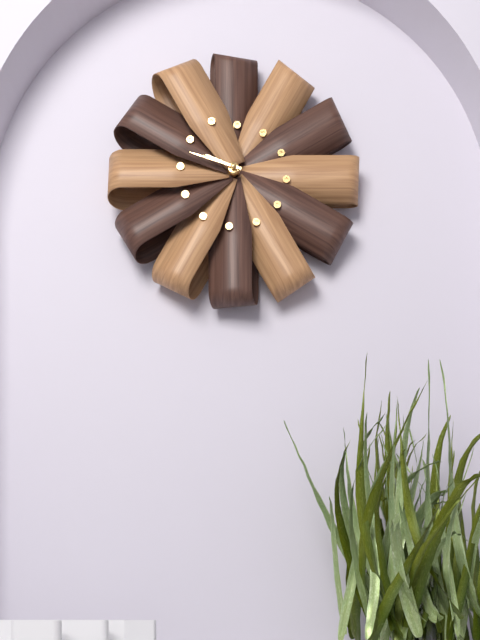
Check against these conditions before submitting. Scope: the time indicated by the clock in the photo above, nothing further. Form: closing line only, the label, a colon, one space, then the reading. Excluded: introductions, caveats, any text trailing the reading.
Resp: 9:48
